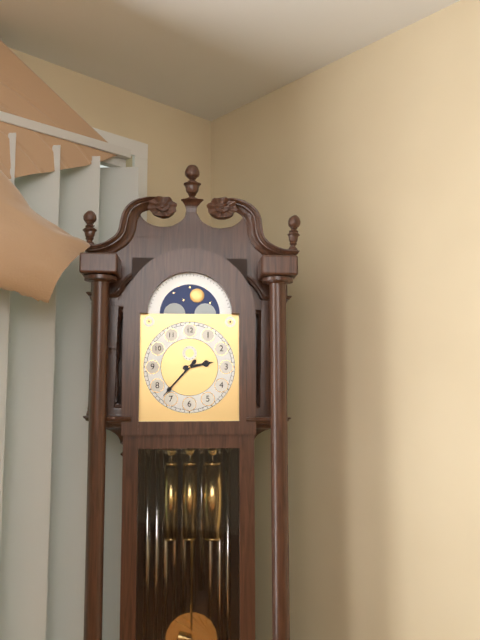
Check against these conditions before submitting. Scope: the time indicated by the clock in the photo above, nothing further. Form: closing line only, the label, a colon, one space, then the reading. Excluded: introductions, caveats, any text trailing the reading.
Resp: 2:37
